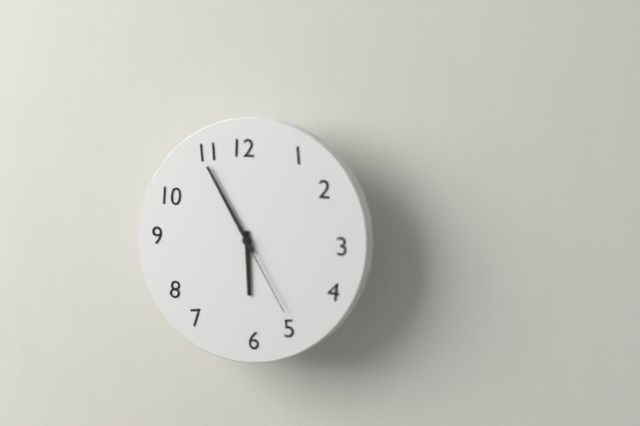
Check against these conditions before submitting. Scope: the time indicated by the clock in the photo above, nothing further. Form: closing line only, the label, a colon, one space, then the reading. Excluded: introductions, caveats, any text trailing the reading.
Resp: 5:55:25
